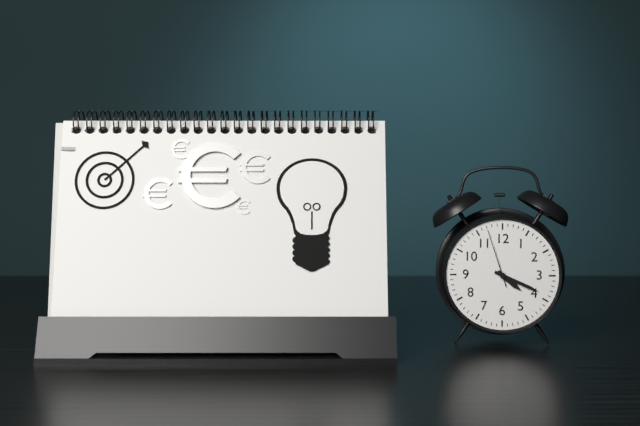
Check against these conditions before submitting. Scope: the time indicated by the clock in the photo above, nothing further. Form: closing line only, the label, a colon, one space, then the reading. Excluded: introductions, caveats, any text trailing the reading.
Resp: 4:19:57
